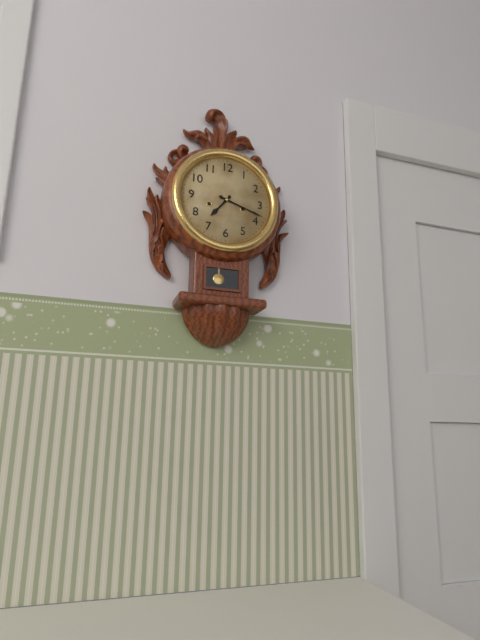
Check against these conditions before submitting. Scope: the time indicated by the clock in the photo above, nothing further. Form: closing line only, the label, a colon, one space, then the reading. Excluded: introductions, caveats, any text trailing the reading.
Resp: 7:18
